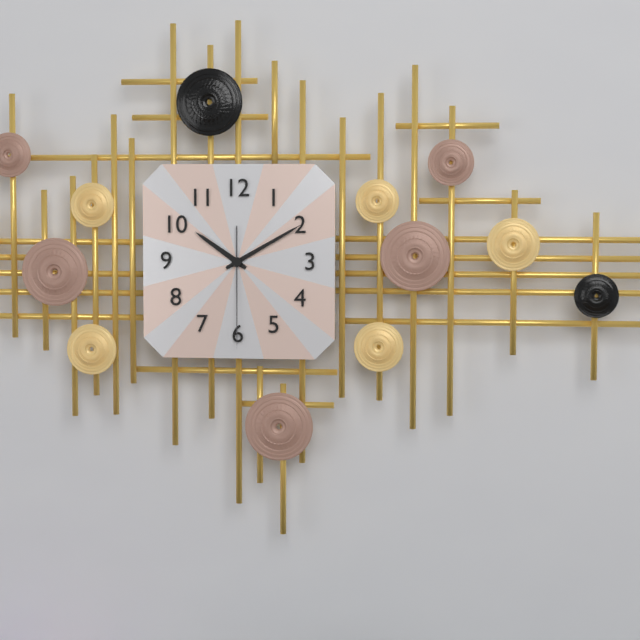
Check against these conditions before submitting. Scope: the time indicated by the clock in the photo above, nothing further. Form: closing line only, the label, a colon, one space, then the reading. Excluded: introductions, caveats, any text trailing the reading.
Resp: 10:10:30
